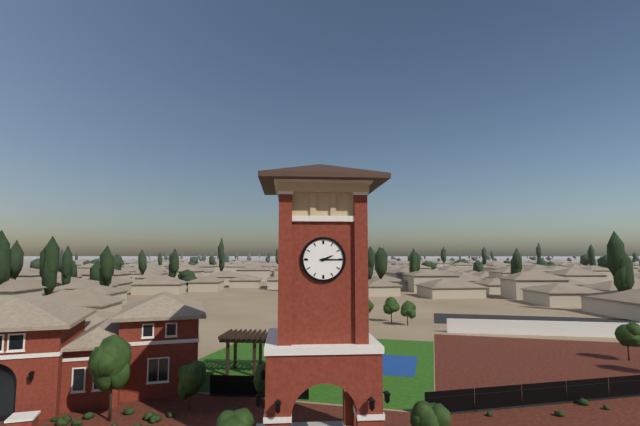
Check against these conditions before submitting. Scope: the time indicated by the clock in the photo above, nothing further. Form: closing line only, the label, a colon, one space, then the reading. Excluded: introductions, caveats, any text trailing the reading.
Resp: 2:15
